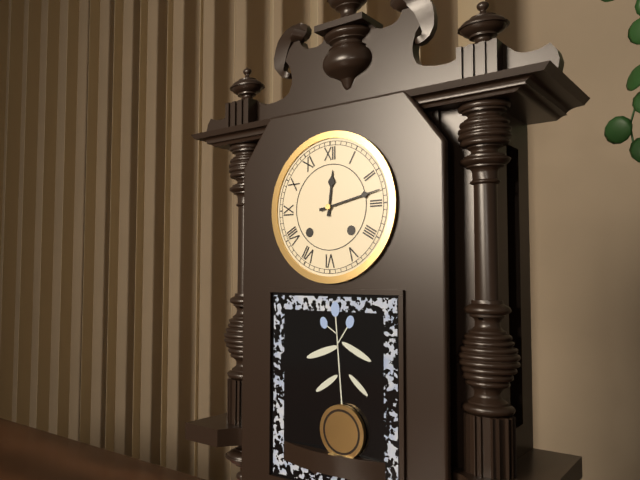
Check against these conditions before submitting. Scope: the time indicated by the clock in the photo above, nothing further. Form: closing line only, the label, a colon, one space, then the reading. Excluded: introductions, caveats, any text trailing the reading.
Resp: 12:13
